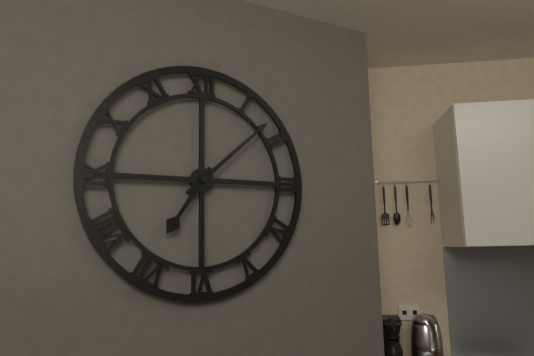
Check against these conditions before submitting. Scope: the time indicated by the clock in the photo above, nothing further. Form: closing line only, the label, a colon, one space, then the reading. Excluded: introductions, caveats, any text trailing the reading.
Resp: 7:08
